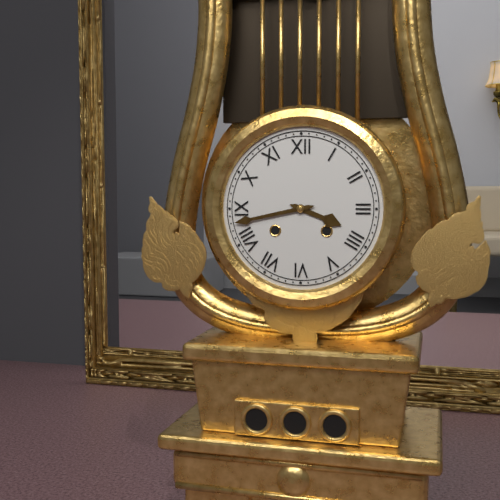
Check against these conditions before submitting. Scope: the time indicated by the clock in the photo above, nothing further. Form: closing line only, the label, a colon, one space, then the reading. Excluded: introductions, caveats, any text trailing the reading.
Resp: 3:43
